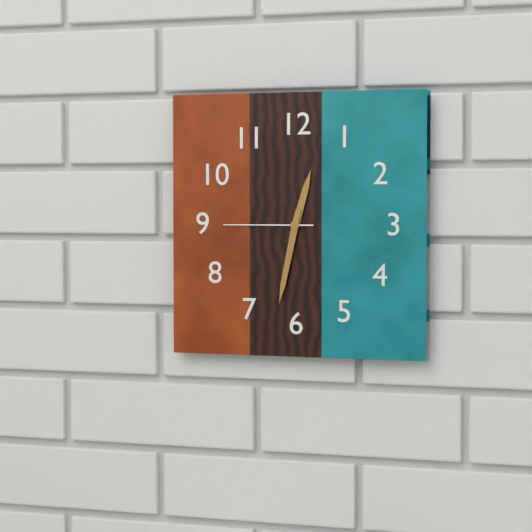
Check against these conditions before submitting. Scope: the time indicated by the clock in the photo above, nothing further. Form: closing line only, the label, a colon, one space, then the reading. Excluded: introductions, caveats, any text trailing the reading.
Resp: 12:32:45
